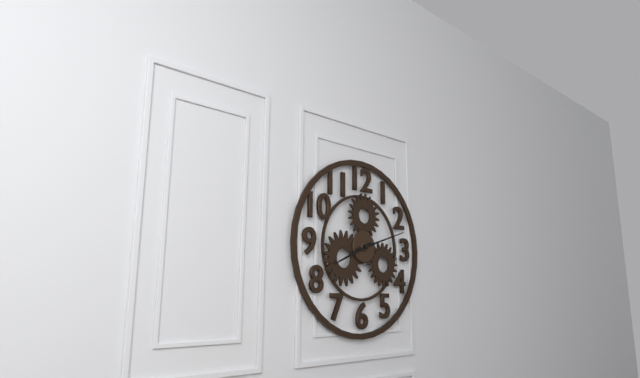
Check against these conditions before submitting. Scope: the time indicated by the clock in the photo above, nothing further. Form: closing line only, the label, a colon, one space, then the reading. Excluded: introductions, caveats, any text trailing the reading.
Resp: 8:12
